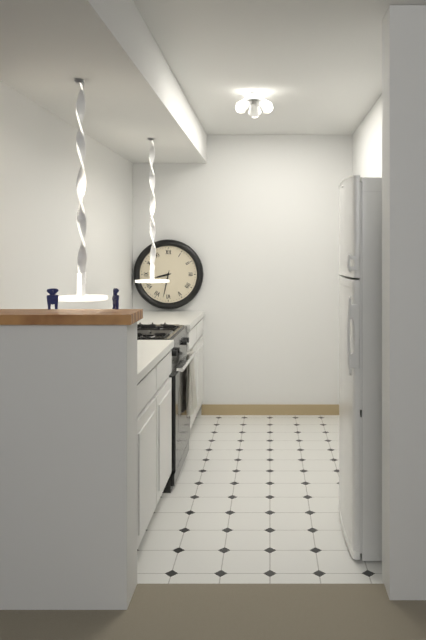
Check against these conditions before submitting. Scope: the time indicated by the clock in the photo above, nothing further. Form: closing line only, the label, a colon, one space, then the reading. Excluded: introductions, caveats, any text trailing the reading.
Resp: 8:32
